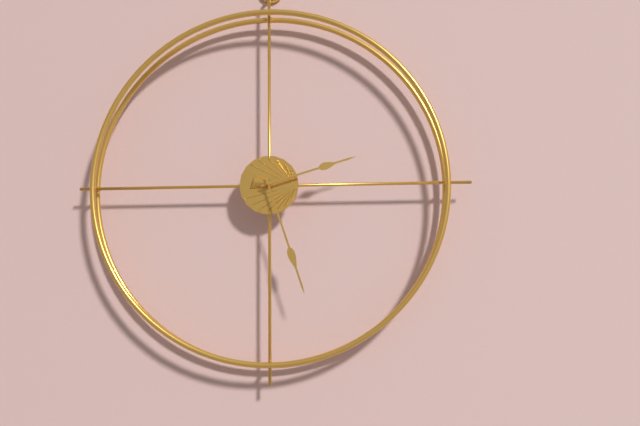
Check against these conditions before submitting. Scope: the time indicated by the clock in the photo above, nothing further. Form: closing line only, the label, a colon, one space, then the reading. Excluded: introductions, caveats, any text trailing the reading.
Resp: 2:27
